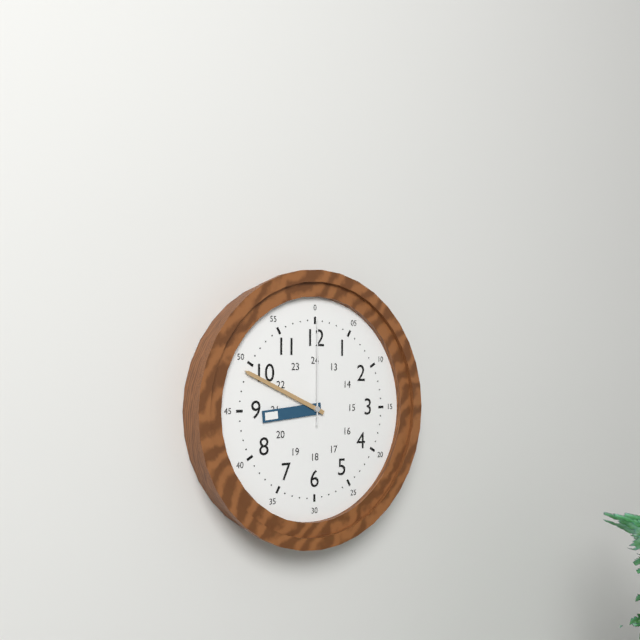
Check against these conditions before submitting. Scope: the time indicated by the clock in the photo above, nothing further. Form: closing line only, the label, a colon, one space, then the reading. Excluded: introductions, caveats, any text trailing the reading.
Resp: 8:49:00
